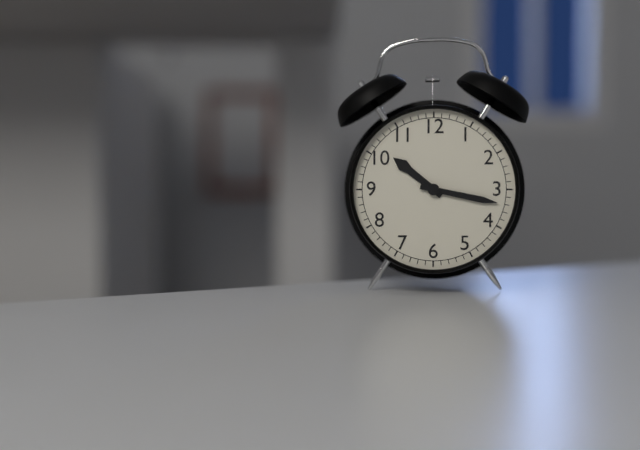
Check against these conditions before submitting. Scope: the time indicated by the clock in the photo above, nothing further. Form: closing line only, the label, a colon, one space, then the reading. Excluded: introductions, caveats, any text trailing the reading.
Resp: 10:17
